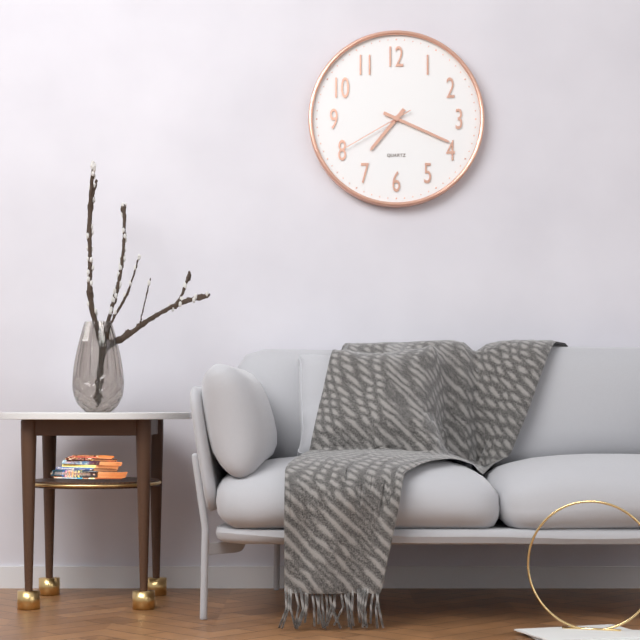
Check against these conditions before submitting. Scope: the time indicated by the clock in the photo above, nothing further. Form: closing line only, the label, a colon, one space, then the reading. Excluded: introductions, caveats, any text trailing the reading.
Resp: 7:19:40
